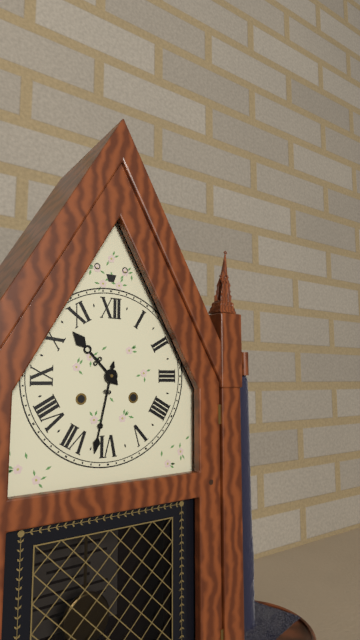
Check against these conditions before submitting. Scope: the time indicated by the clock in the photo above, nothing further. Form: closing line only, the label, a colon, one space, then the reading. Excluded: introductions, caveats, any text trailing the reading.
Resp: 10:32
